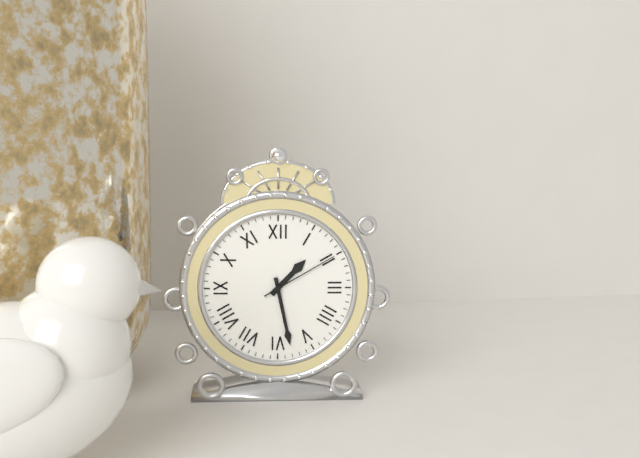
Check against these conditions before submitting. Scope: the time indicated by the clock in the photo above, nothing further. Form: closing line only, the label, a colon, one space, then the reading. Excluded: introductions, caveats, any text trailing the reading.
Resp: 1:28:10
